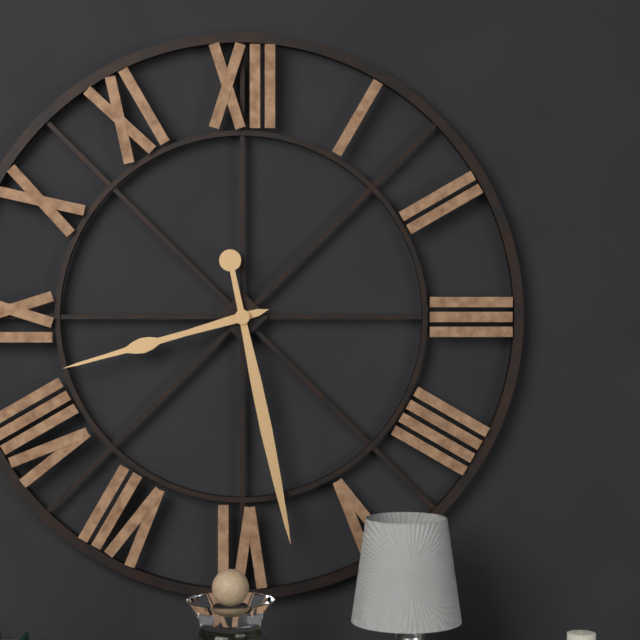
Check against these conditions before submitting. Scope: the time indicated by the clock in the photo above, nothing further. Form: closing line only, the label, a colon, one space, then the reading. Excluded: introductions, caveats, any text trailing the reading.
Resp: 8:28
